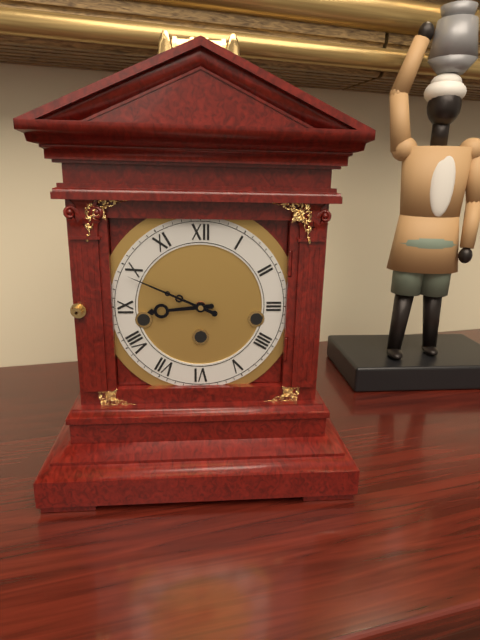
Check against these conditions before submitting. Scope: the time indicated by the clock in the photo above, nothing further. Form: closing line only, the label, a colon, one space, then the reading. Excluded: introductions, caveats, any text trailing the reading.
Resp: 8:49
